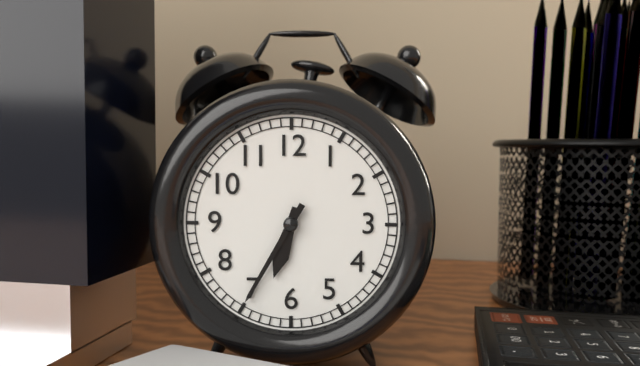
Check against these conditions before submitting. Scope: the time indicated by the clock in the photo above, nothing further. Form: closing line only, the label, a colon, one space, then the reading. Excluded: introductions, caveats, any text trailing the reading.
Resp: 6:35
